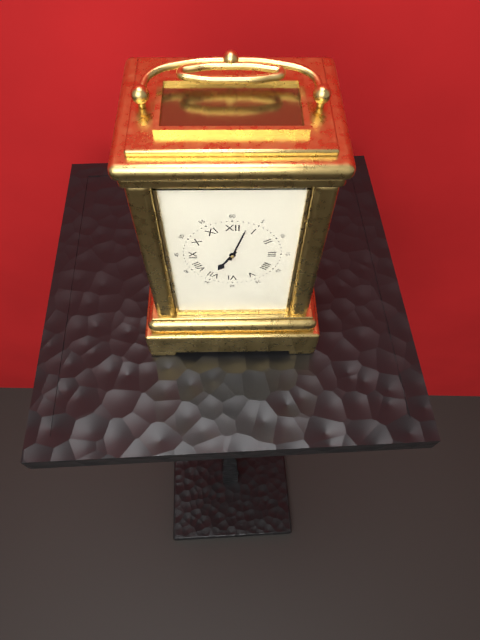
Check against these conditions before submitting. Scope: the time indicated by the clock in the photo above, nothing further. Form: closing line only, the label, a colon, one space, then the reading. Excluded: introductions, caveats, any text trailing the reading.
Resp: 7:03
